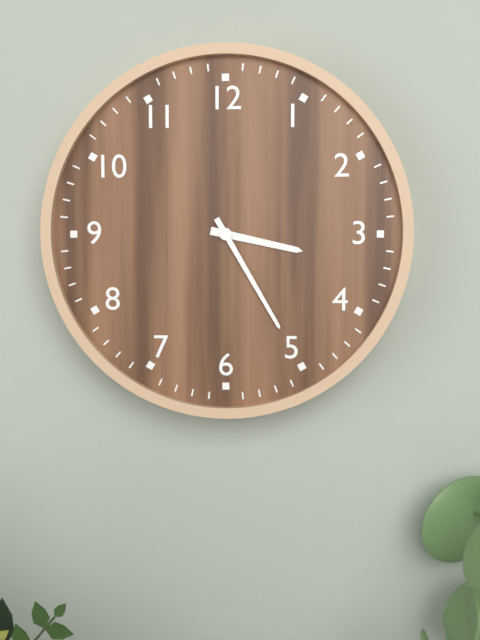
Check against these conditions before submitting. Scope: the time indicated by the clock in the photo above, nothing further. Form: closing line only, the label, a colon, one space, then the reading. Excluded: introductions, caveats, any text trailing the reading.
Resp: 3:25
